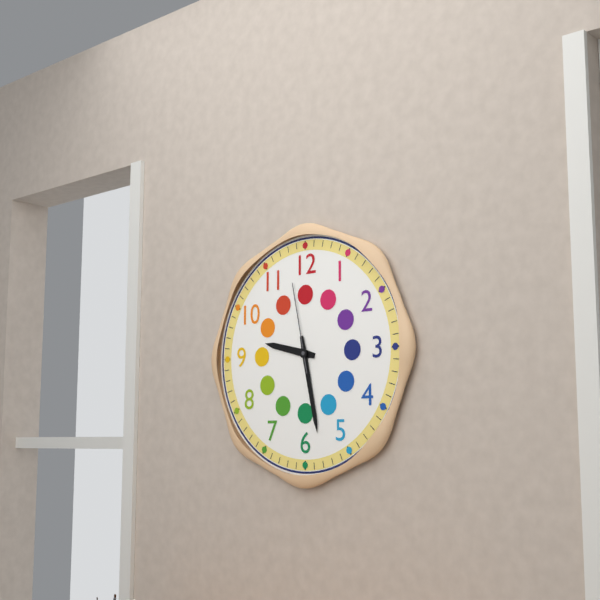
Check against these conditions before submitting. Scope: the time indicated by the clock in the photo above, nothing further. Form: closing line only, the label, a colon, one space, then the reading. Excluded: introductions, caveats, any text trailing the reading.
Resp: 9:28:58
